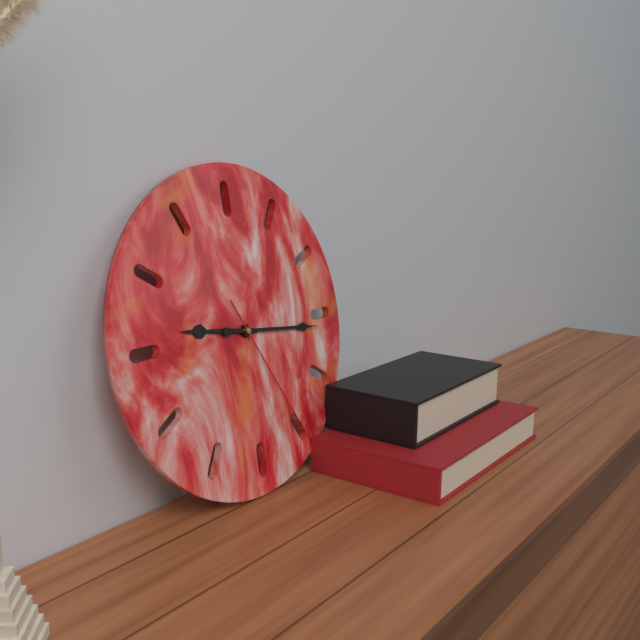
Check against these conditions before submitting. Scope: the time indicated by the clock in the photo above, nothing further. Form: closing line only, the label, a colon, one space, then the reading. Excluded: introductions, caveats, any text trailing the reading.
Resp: 9:16:25
